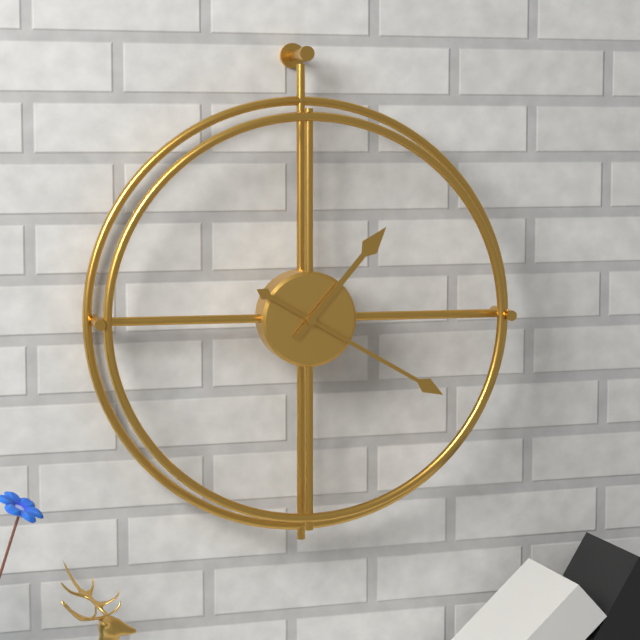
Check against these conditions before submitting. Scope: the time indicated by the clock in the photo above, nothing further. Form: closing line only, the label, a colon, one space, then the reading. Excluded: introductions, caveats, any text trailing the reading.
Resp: 1:20
